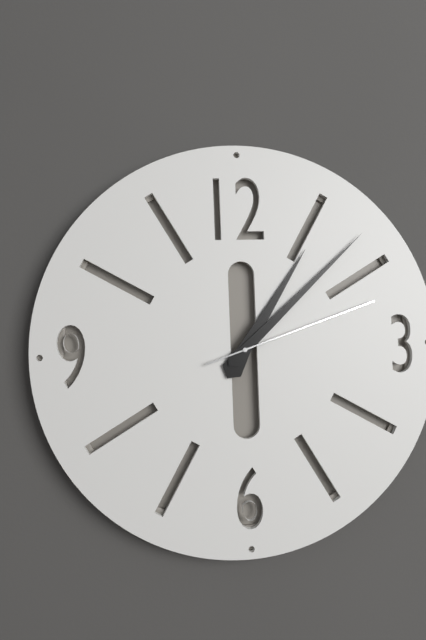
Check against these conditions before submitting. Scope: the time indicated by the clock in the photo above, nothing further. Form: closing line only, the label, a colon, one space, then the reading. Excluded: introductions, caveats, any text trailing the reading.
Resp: 1:08:12
